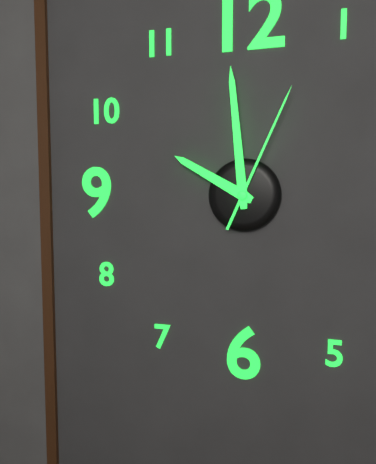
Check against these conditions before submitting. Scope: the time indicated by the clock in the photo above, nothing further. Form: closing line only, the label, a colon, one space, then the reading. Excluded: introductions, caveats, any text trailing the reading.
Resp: 9:59:04
